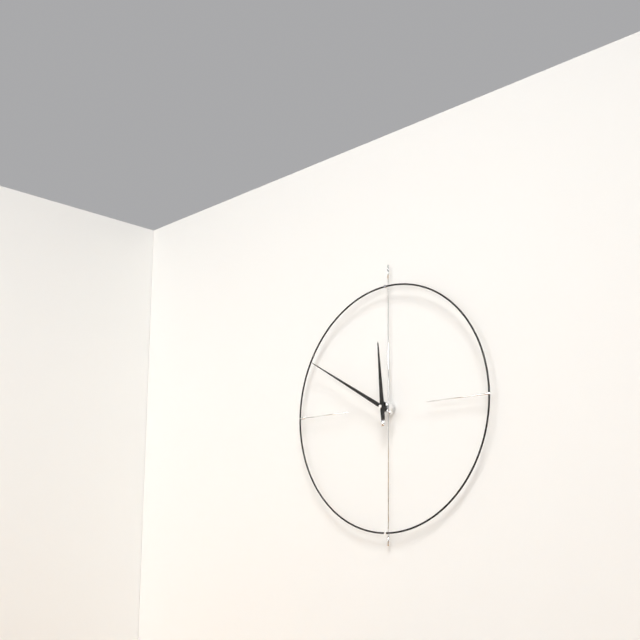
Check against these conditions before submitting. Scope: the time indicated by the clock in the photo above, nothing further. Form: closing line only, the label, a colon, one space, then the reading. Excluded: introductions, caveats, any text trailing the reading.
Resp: 11:50
